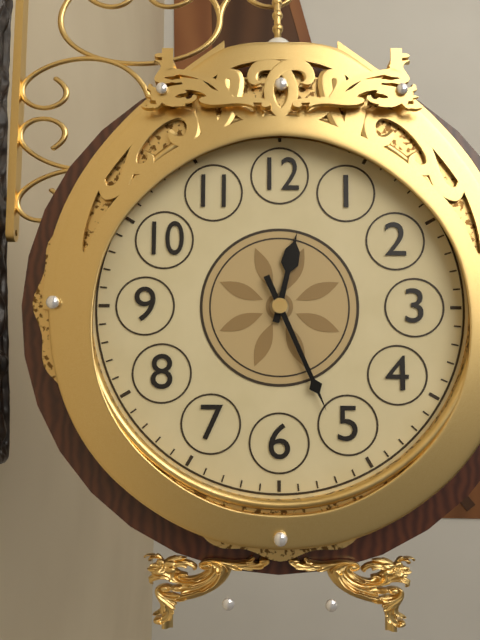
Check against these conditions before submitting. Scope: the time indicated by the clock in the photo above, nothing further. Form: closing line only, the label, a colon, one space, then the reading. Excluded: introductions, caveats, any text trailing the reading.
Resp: 12:26
